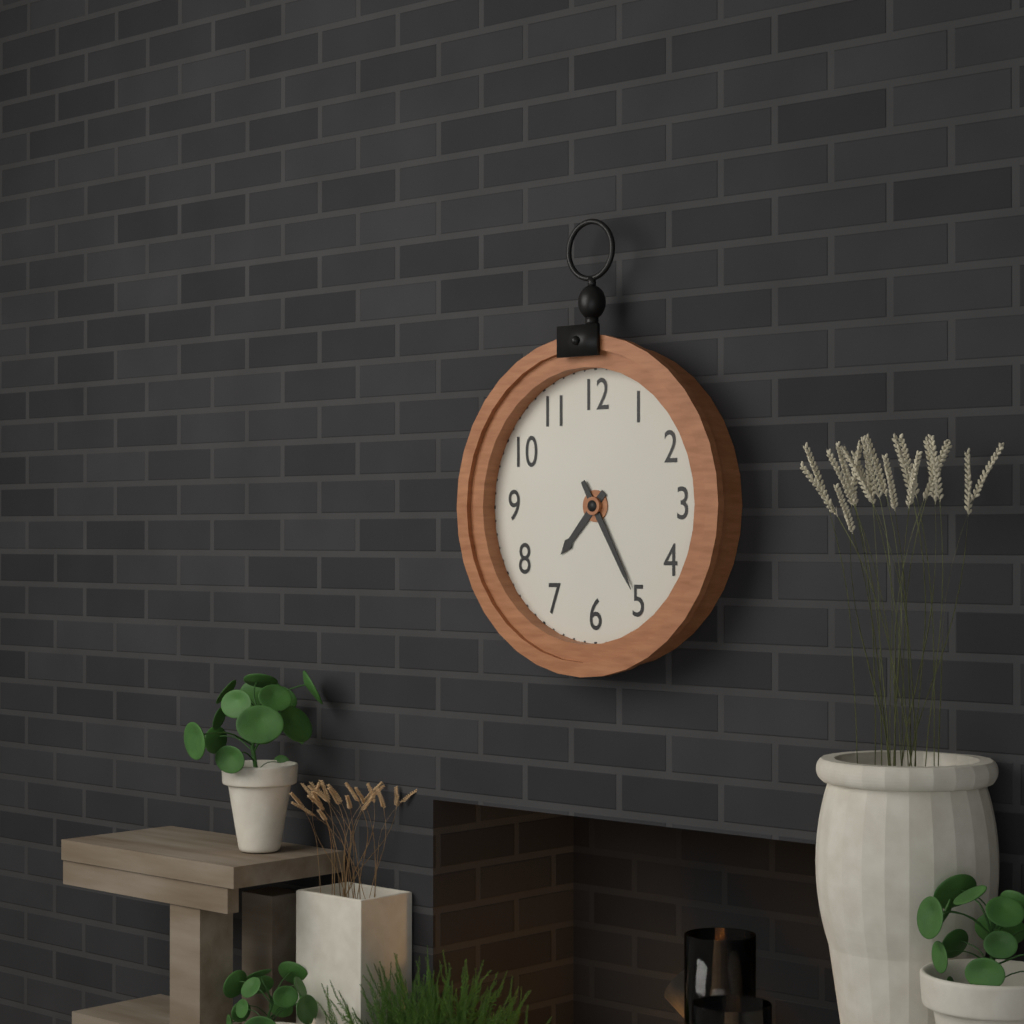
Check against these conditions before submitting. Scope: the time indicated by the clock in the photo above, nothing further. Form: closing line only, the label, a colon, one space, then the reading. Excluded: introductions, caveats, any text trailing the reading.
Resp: 7:25
